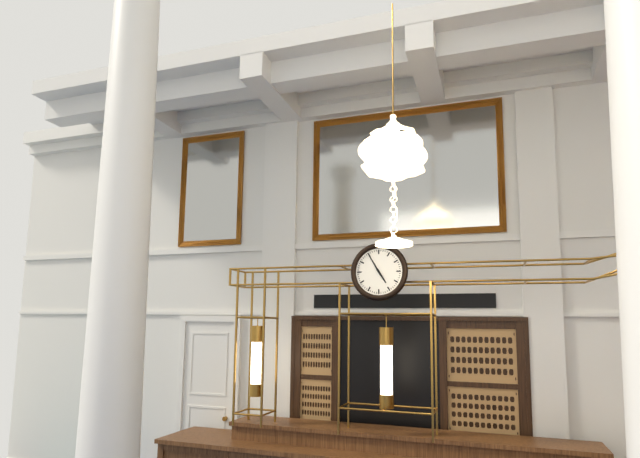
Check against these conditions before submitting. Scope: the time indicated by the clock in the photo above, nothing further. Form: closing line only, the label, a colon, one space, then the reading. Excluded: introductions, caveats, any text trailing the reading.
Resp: 4:55
